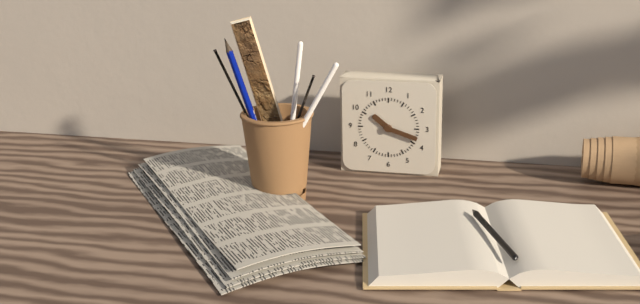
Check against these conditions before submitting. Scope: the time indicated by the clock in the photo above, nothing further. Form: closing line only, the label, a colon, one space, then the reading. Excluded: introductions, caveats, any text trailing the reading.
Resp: 10:18
